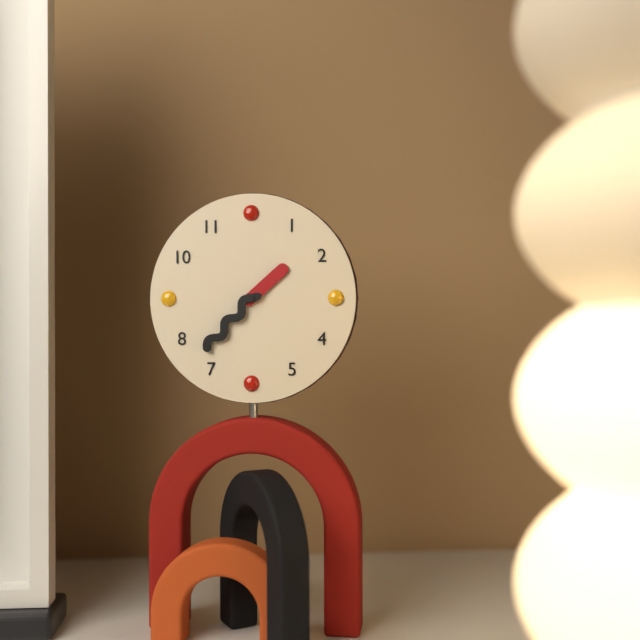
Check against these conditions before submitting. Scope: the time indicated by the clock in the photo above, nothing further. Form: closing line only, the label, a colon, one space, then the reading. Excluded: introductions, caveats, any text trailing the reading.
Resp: 1:37
